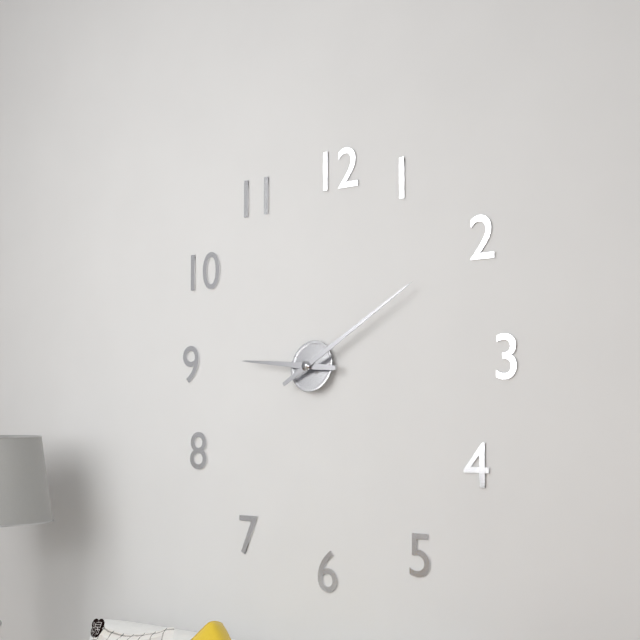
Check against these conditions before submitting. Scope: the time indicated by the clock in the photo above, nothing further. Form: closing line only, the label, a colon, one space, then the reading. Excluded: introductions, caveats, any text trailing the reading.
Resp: 9:10
